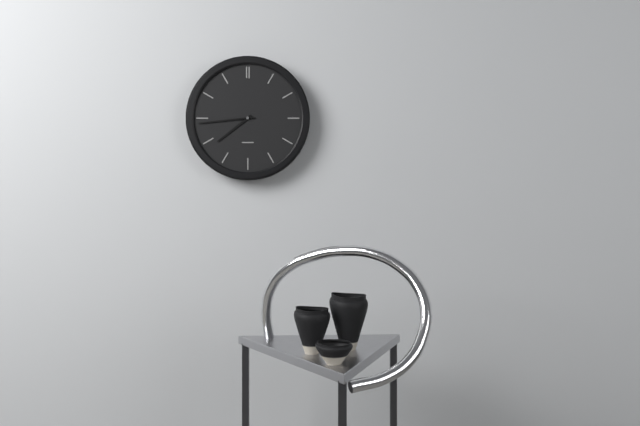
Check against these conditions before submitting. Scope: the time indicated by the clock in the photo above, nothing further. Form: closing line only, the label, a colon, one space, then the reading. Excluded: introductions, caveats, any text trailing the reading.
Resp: 7:44
